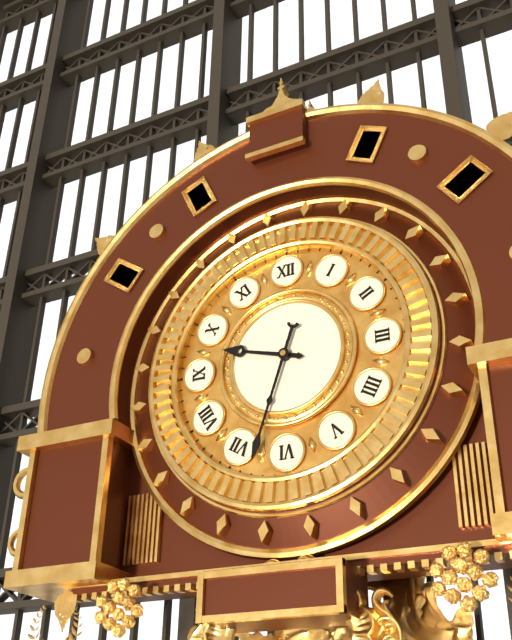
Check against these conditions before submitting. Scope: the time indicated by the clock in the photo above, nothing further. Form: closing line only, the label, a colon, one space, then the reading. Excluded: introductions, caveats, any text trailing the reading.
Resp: 9:33
